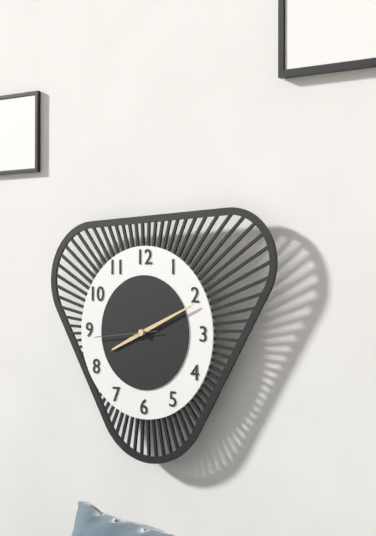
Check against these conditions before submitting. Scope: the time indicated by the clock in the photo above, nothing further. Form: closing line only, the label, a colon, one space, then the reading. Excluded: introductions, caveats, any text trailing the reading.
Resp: 8:11:44
